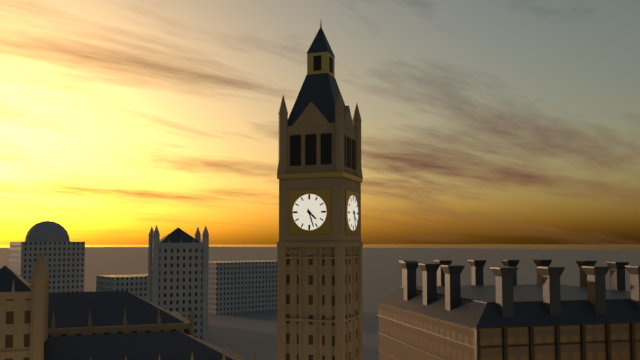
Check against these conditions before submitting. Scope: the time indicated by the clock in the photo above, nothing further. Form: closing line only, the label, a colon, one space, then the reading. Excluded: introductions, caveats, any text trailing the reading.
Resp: 4:27
